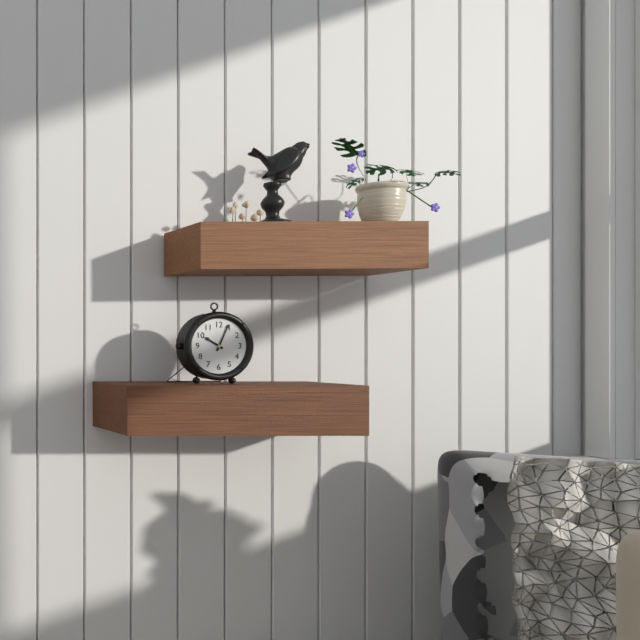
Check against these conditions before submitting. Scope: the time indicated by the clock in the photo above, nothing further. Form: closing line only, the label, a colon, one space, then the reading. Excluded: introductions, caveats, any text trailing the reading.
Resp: 10:04
